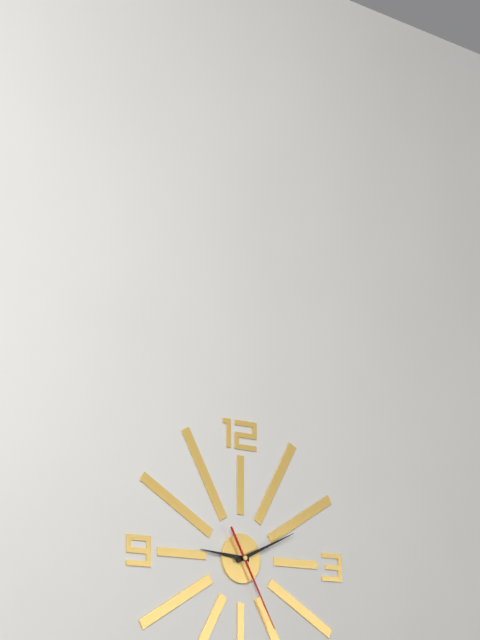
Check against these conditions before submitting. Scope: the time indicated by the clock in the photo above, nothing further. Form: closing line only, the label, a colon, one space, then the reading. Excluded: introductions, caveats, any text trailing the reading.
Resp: 9:11:25
